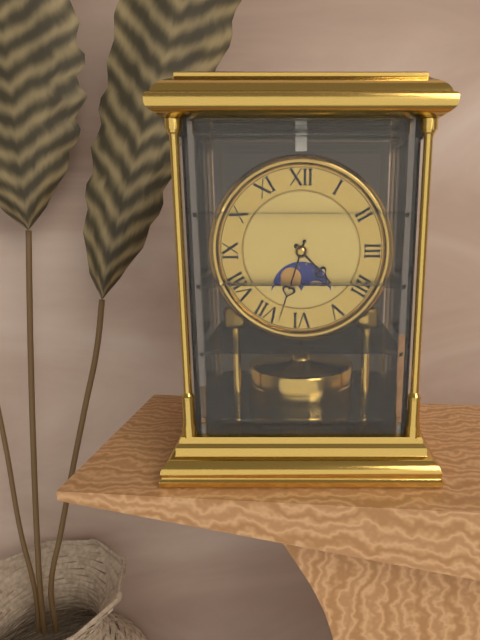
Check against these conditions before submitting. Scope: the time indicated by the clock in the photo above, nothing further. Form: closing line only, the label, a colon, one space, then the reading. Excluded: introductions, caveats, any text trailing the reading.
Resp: 4:33
